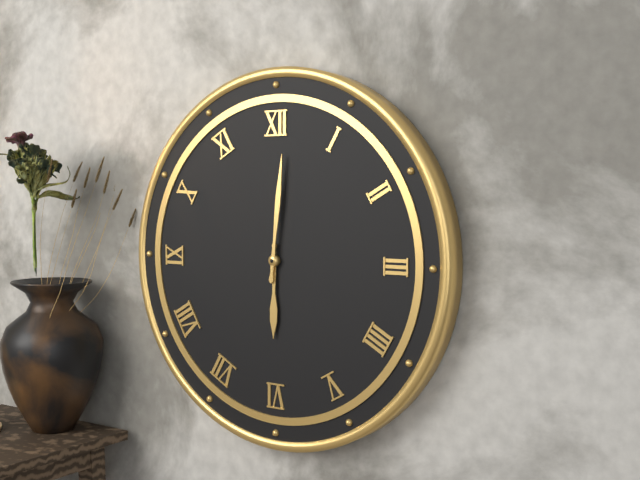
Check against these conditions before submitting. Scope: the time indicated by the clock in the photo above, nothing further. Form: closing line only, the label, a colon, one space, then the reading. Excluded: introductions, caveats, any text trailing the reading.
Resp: 6:01
